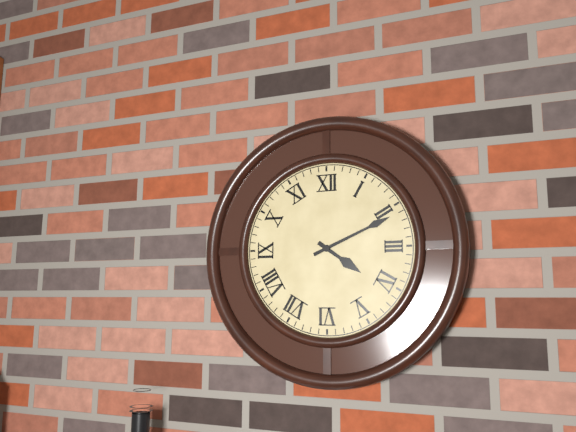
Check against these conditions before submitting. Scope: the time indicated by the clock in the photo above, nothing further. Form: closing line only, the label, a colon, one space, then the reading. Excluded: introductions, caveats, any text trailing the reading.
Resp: 4:11
